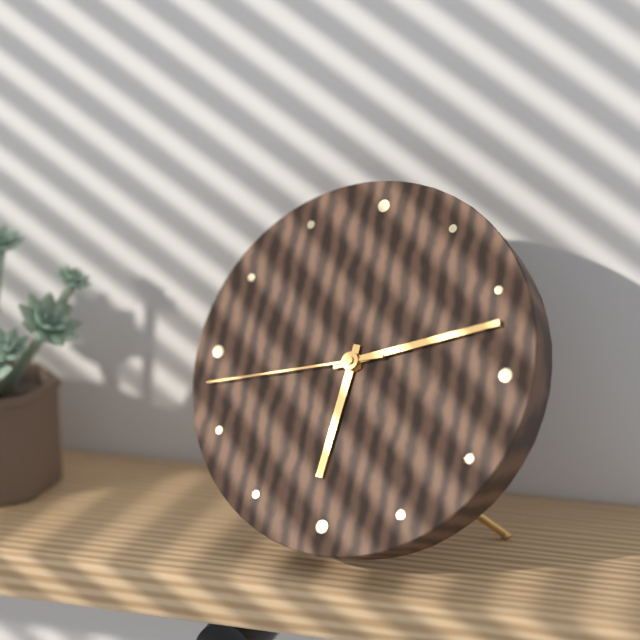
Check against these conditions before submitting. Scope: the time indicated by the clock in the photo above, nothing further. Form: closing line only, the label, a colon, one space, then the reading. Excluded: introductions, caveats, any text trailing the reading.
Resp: 6:12:43
